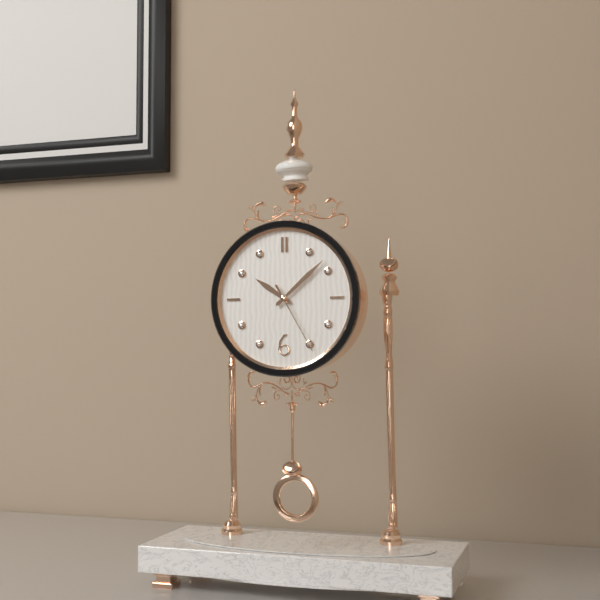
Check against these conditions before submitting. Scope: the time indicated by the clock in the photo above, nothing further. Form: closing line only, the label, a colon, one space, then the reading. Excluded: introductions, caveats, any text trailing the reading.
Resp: 10:08:25
